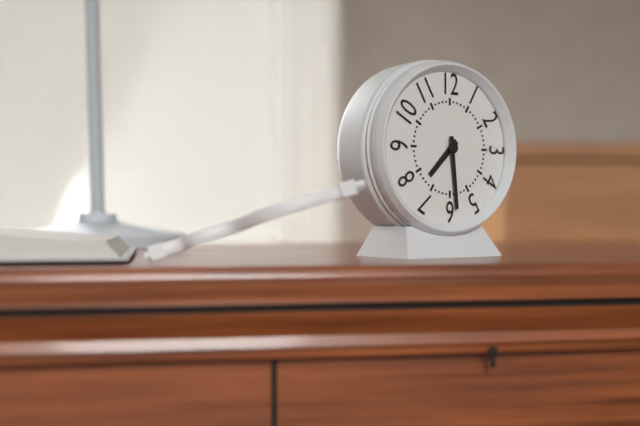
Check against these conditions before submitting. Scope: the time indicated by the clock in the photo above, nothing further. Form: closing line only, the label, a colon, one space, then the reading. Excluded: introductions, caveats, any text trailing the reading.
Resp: 7:29
